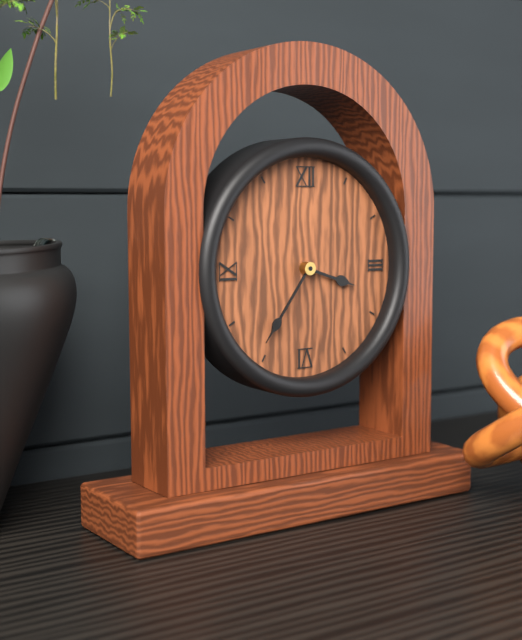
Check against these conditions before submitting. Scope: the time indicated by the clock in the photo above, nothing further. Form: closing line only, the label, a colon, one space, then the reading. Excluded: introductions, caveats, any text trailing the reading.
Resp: 3:36
